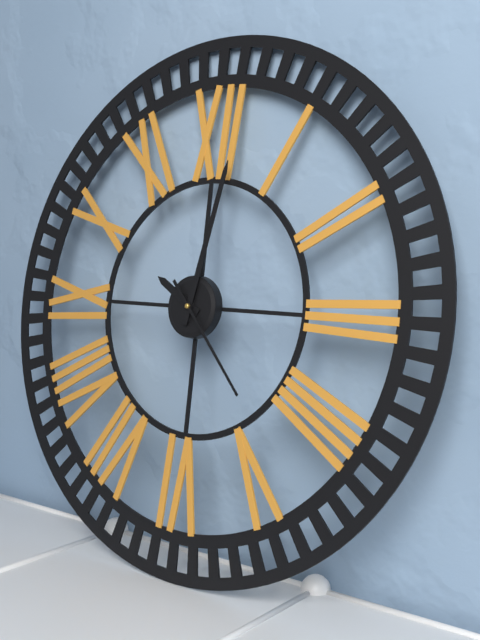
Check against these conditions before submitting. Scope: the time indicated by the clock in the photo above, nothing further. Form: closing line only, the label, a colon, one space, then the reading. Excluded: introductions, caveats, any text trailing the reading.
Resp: 10:02:23
